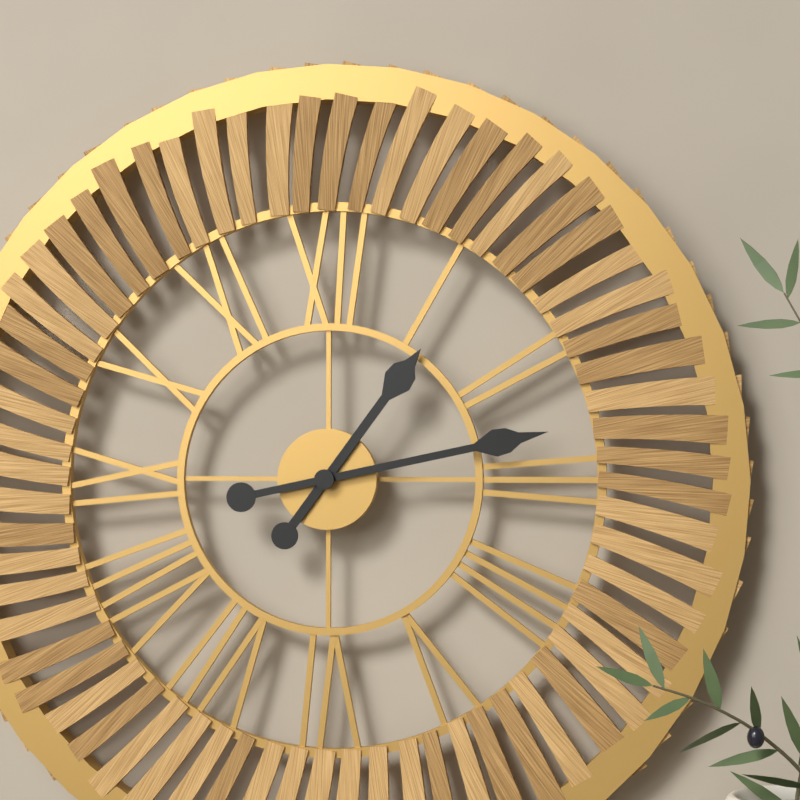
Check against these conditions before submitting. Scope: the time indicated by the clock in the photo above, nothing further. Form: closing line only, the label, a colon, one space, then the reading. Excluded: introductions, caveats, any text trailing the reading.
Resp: 1:13
